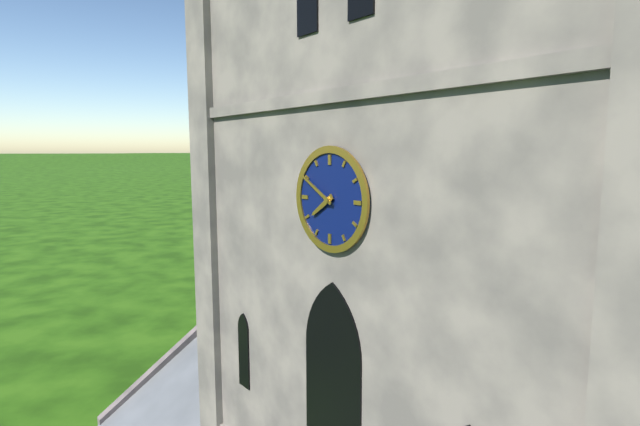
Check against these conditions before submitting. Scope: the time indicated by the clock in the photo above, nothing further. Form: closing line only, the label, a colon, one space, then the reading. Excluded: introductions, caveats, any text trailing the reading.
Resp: 7:50
